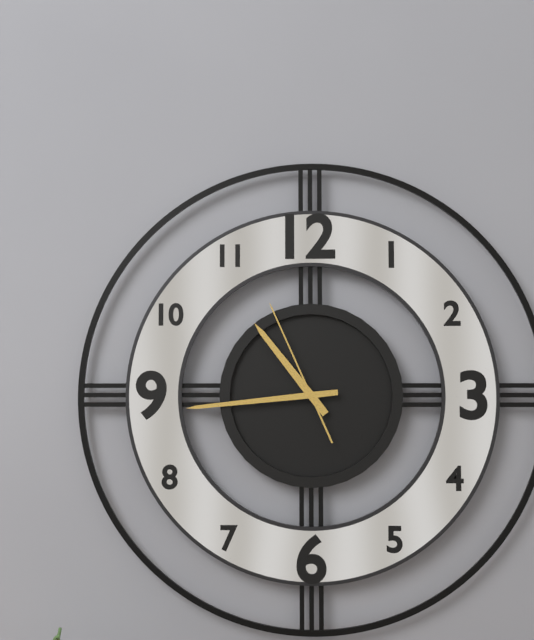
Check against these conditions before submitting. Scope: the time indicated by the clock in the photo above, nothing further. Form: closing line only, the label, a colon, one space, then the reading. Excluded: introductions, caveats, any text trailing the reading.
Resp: 10:44:56
